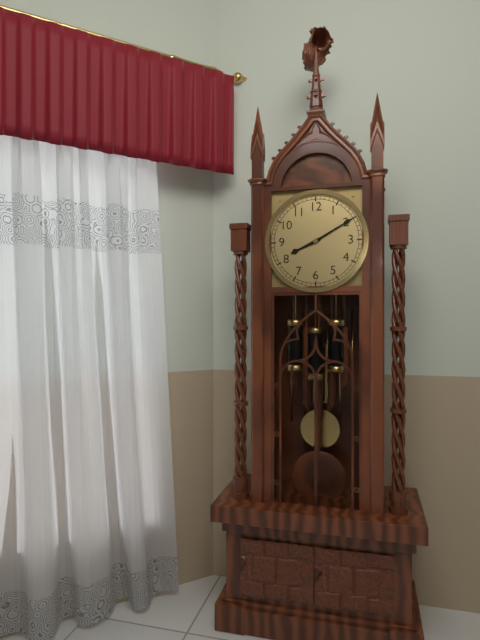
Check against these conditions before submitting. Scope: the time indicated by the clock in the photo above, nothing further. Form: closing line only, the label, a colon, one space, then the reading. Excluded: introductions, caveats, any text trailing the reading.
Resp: 8:10
